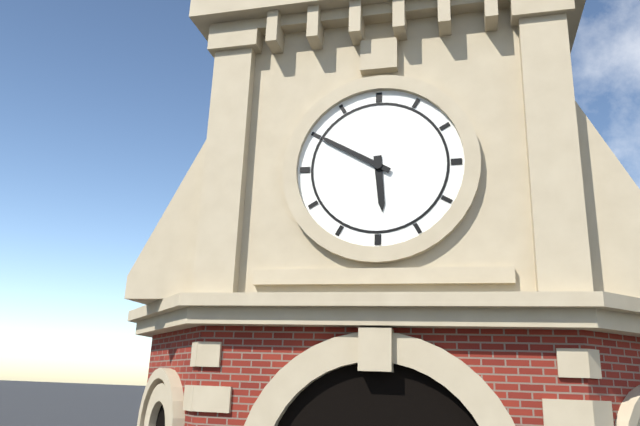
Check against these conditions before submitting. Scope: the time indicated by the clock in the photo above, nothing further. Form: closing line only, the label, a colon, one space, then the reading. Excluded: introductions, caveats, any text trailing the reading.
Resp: 5:50
